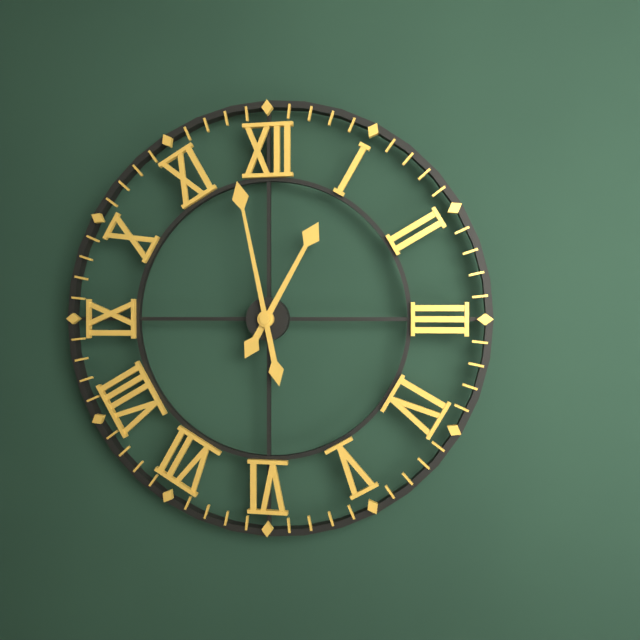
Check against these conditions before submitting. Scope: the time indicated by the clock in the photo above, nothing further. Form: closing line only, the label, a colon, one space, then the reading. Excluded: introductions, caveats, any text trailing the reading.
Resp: 12:58
